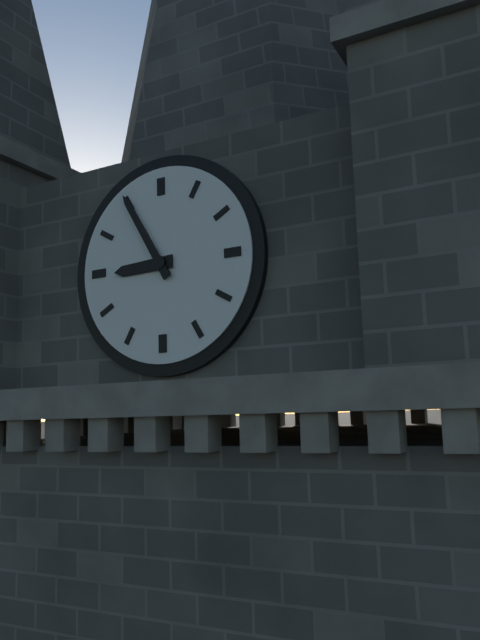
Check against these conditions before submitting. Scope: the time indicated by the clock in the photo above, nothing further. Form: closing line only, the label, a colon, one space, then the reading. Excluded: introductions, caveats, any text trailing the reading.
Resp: 8:55
